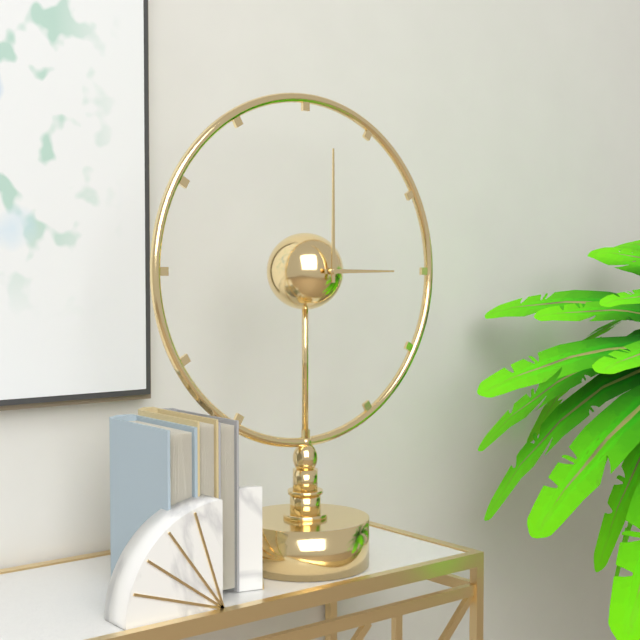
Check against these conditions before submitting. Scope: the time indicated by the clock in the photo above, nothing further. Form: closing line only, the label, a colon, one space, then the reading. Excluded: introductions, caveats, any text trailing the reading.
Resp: 3:00
